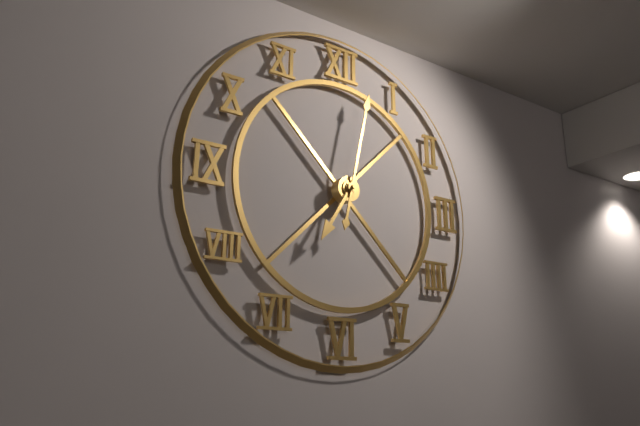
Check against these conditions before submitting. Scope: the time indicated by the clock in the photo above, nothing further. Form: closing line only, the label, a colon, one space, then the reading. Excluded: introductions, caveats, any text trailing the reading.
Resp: 7:02
